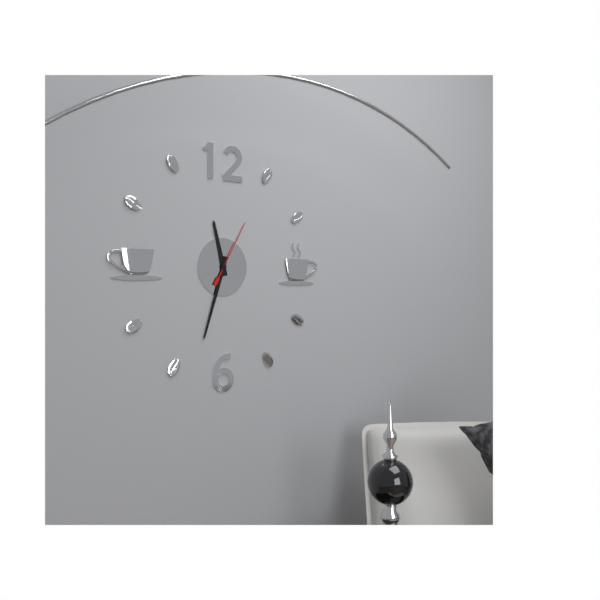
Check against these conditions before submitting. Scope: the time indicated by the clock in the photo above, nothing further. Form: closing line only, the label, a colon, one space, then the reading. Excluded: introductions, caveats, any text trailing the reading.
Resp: 11:33:05
